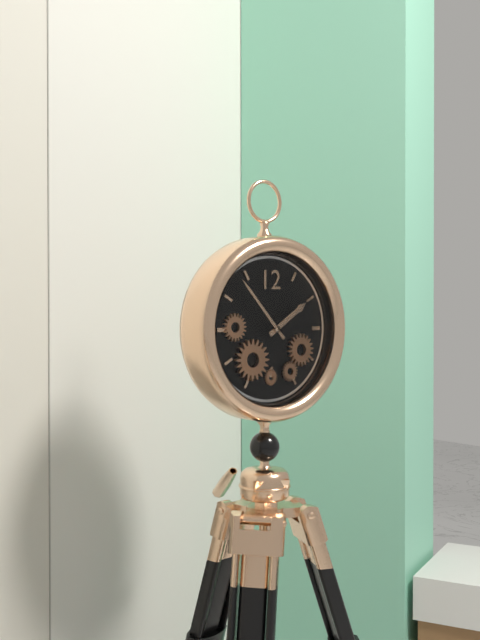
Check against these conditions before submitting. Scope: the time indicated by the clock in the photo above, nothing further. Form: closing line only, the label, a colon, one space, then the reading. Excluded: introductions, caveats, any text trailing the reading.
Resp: 1:53
